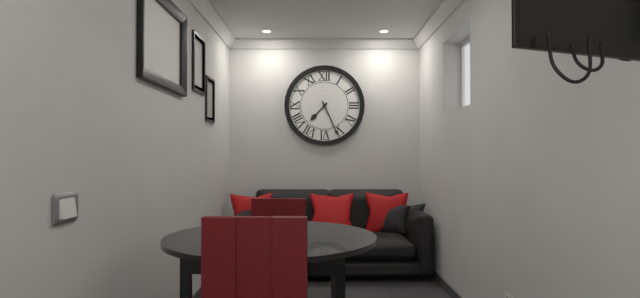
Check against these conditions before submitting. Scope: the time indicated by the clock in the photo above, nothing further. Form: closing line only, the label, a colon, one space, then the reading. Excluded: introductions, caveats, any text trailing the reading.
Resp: 7:26
